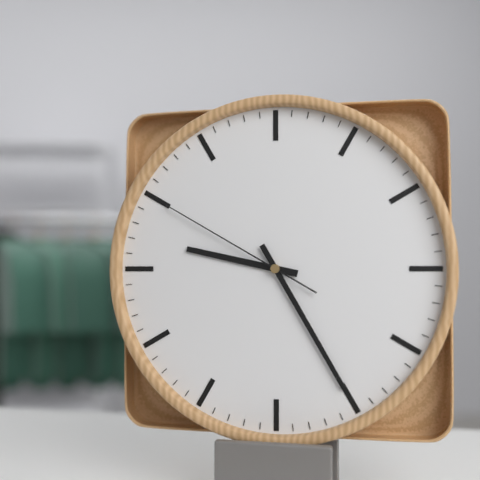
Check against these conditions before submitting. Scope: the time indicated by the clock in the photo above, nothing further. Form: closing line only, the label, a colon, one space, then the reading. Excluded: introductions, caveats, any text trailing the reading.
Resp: 9:25:50
